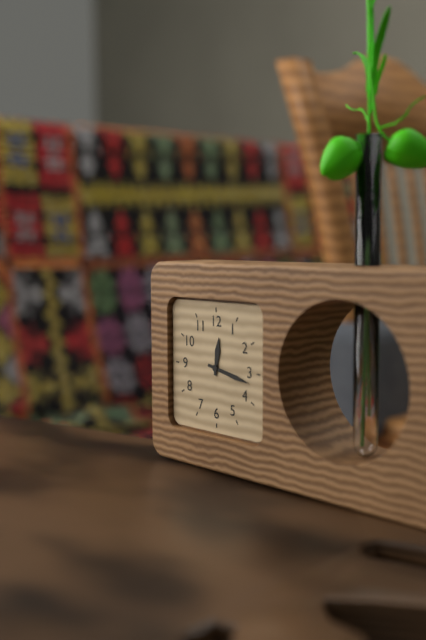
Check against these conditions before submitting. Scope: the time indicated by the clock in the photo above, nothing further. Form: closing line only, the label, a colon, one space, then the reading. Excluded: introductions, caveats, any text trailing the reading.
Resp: 12:17
